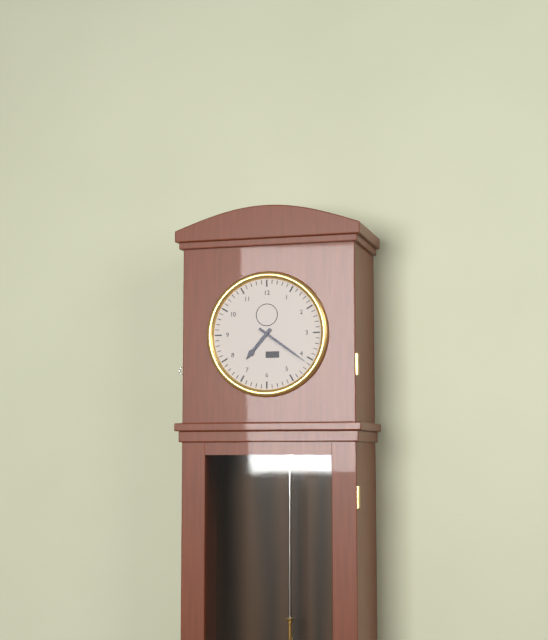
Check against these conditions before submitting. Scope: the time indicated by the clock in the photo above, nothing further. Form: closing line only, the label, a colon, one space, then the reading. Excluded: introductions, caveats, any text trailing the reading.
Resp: 7:21
